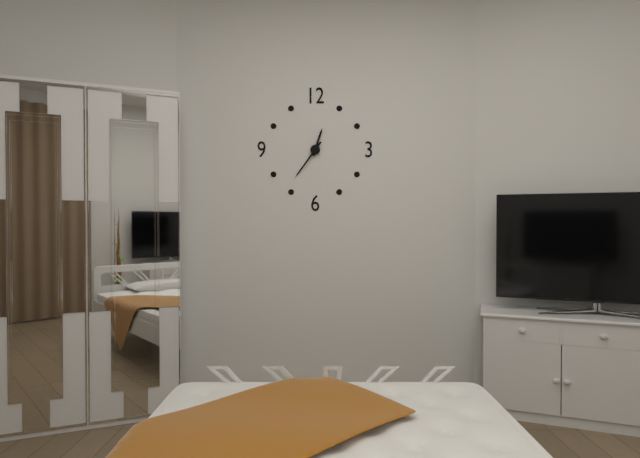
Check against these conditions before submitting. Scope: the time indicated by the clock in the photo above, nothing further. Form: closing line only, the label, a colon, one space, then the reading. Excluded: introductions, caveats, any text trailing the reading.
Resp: 12:36
